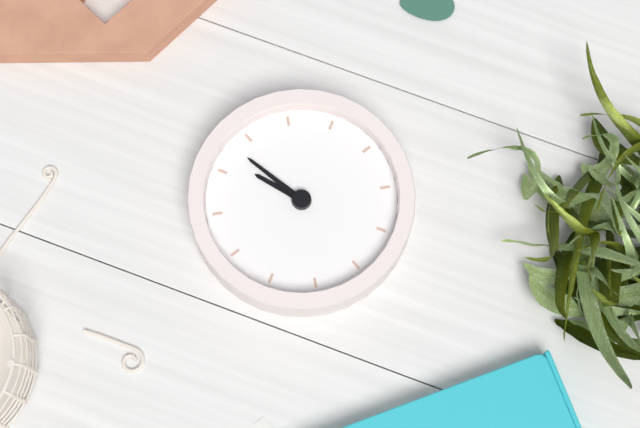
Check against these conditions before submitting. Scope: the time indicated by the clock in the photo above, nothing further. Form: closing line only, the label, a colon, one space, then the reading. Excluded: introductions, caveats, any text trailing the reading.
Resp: 3:18
